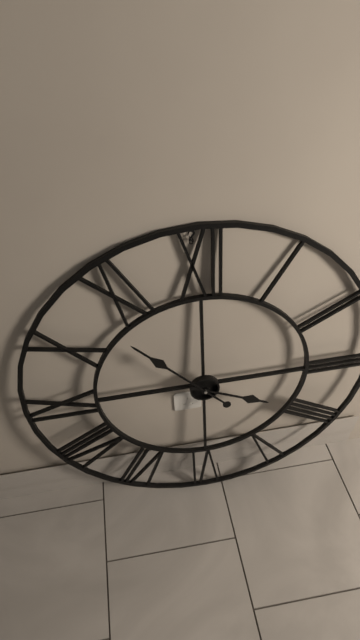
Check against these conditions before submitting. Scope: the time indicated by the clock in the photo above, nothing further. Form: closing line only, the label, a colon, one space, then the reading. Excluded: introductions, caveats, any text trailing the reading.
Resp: 3:53
